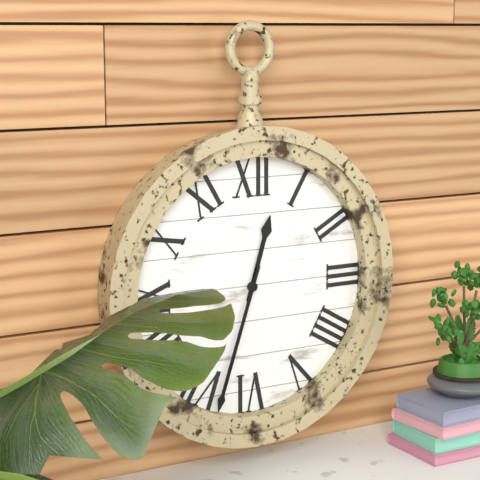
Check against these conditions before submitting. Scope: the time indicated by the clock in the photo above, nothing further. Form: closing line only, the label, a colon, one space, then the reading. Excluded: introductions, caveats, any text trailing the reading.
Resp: 12:33
